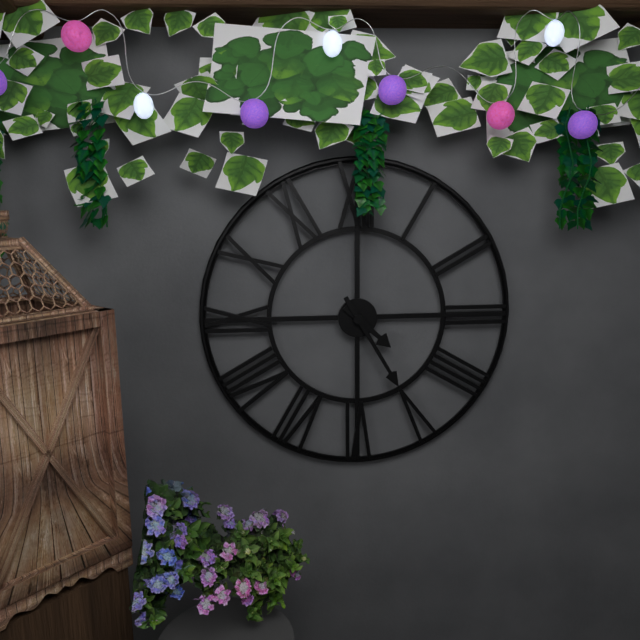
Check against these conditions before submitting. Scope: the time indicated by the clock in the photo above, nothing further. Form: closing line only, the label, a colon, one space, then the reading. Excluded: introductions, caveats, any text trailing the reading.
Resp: 4:25
